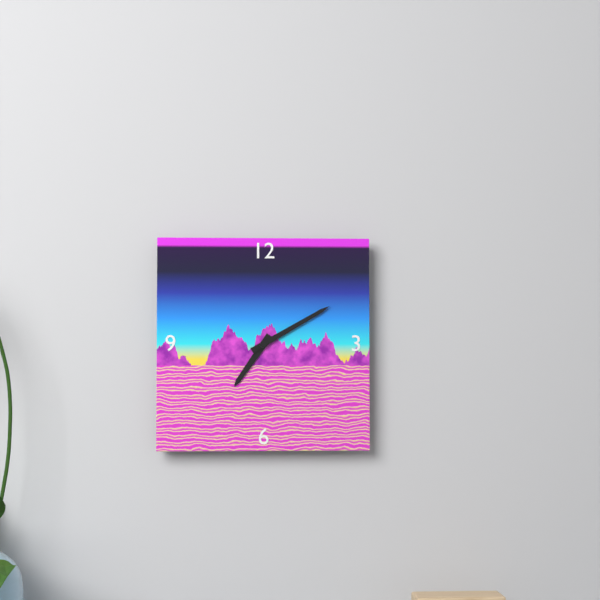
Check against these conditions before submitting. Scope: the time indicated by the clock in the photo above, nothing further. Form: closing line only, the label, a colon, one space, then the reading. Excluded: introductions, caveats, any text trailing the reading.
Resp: 7:10
